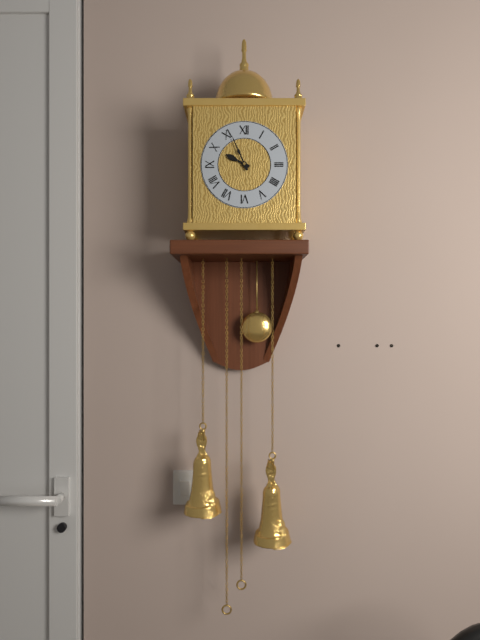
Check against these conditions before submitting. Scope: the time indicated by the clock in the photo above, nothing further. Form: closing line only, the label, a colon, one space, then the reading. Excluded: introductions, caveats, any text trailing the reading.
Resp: 9:56
